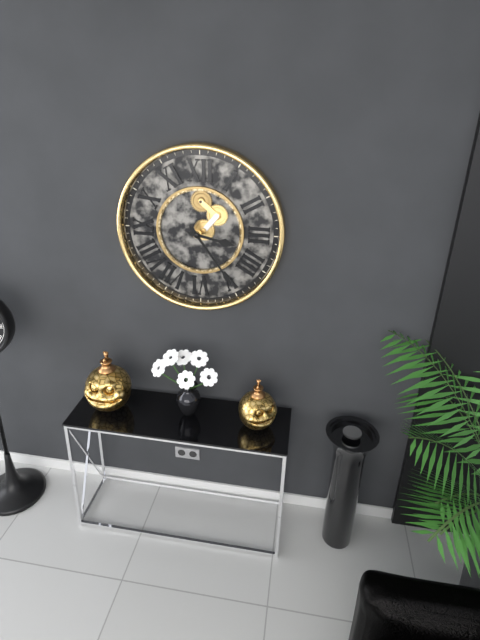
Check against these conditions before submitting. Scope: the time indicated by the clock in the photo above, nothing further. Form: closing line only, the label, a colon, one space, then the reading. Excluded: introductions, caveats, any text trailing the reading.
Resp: 3:24
